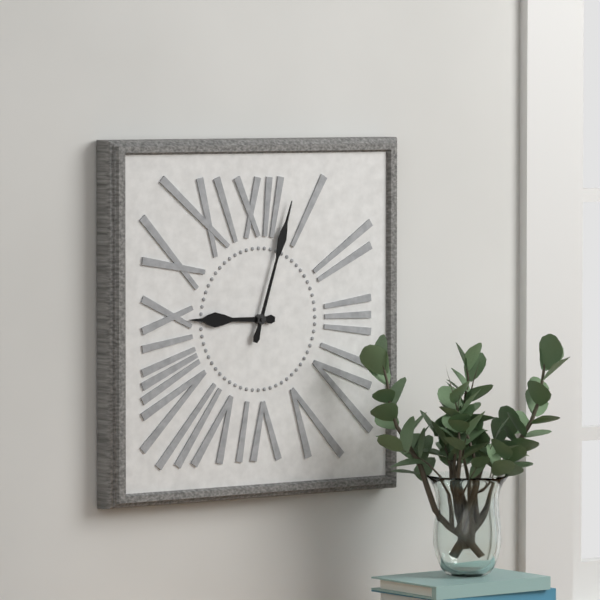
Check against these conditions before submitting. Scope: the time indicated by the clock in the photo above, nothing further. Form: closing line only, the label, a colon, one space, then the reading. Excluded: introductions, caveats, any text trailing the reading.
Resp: 9:03
